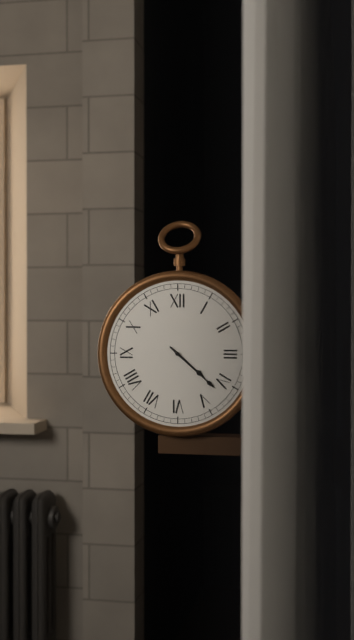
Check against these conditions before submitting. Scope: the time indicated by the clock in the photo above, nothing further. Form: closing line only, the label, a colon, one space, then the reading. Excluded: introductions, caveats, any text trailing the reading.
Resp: 4:22
